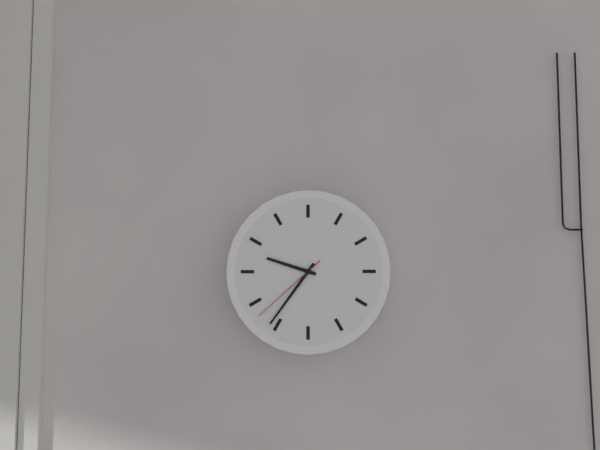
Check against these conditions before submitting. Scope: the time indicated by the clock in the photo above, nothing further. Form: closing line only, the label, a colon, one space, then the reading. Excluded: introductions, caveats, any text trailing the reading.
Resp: 9:36:38
